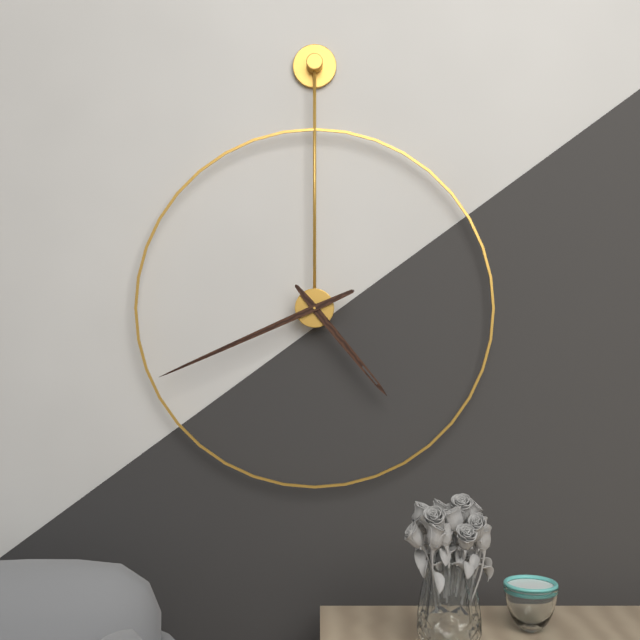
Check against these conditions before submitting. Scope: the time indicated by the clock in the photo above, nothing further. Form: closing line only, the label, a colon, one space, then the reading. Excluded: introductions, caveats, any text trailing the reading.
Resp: 4:41
